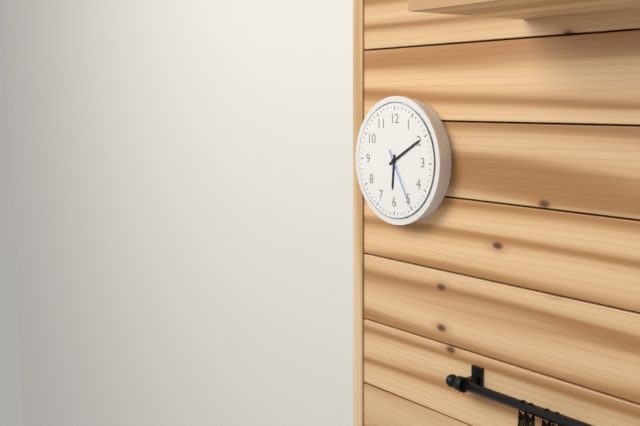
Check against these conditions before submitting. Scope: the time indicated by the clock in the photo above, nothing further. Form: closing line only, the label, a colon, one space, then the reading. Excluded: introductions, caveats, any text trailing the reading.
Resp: 6:10:25
